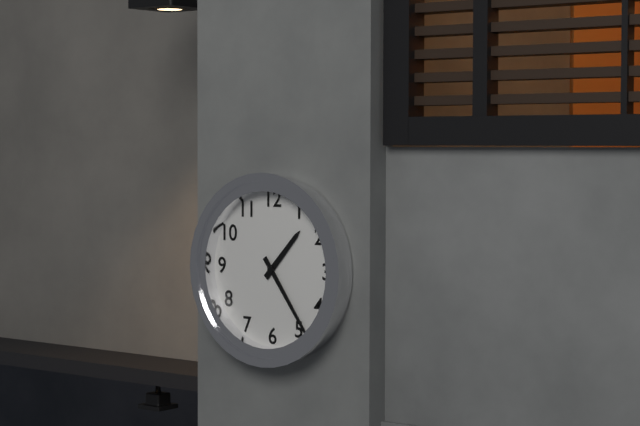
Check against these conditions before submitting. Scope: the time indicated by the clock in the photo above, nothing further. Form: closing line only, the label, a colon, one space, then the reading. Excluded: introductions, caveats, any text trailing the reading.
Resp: 1:24
